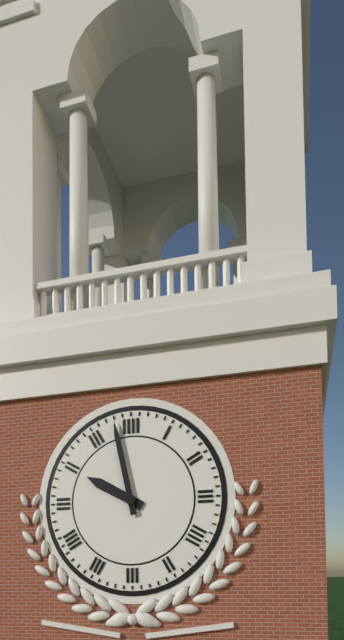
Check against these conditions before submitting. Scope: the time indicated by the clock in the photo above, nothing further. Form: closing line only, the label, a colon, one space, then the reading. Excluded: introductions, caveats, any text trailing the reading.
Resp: 9:58
